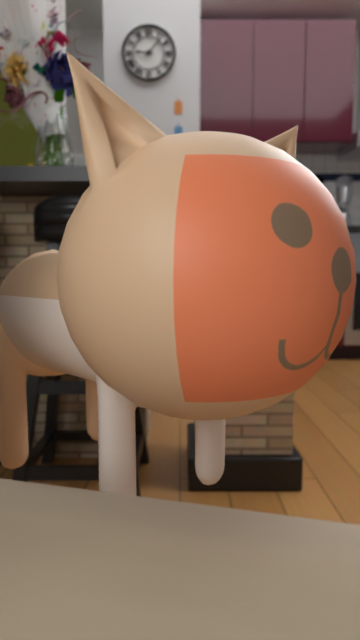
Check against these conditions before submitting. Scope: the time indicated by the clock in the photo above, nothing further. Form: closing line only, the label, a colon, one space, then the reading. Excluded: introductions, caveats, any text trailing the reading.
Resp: 9:07
